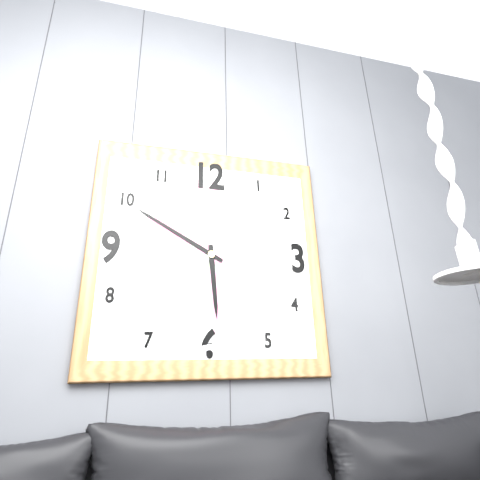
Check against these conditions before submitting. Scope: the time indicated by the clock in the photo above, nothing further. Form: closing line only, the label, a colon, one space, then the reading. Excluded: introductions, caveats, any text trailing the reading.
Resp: 5:50
